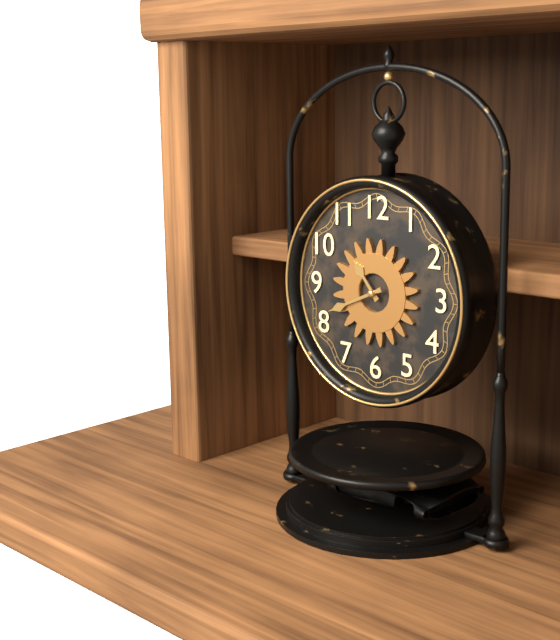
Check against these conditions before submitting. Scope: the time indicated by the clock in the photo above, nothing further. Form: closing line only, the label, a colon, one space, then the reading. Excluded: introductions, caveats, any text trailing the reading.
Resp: 10:41
